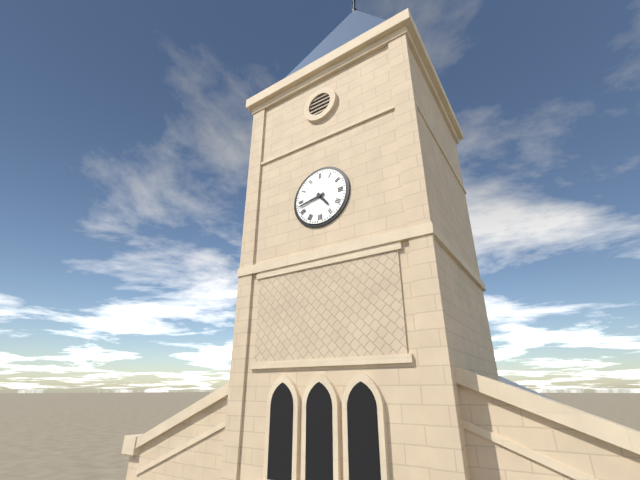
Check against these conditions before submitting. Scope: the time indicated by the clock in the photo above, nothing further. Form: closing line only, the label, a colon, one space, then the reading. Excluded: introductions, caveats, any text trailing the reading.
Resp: 4:43
